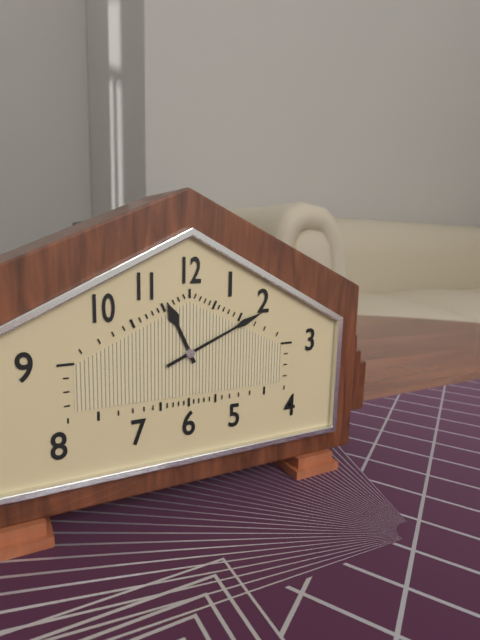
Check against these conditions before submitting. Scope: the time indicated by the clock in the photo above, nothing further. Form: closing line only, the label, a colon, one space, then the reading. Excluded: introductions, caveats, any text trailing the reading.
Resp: 11:11
